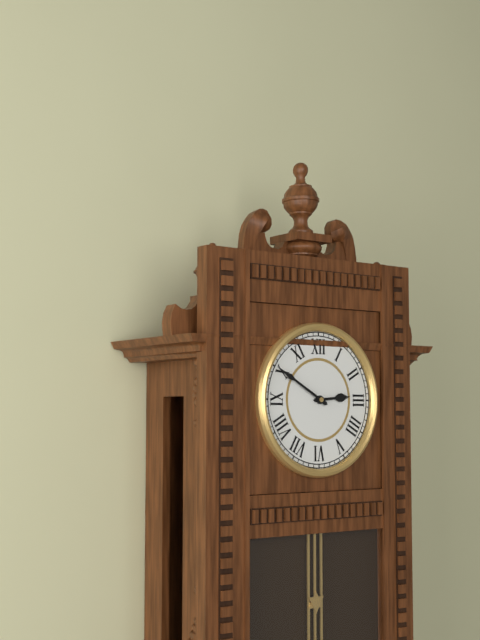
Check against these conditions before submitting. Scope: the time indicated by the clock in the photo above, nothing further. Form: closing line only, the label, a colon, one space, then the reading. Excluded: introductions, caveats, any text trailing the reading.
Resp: 2:50
